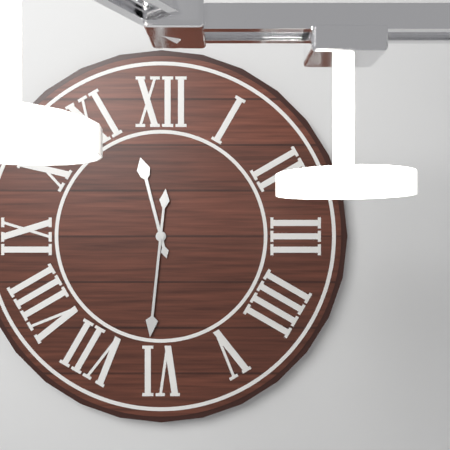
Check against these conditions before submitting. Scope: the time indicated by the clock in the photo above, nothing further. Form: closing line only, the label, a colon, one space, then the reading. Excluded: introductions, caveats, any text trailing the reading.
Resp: 11:31
